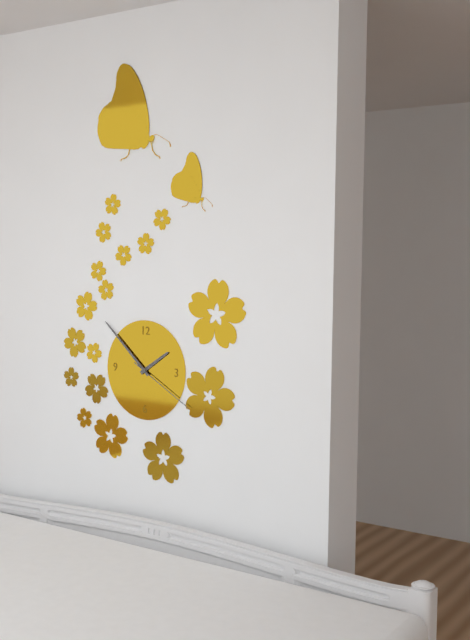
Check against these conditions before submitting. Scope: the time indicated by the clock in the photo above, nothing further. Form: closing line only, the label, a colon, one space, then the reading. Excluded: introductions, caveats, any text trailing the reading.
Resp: 1:52:20
